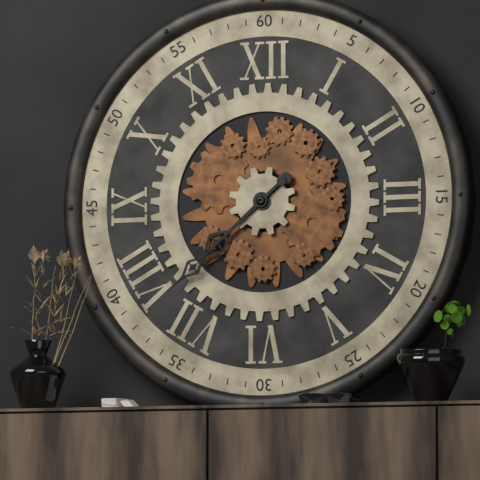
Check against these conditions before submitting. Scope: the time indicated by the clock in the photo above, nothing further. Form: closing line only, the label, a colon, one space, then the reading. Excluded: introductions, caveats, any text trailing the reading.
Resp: 7:38
